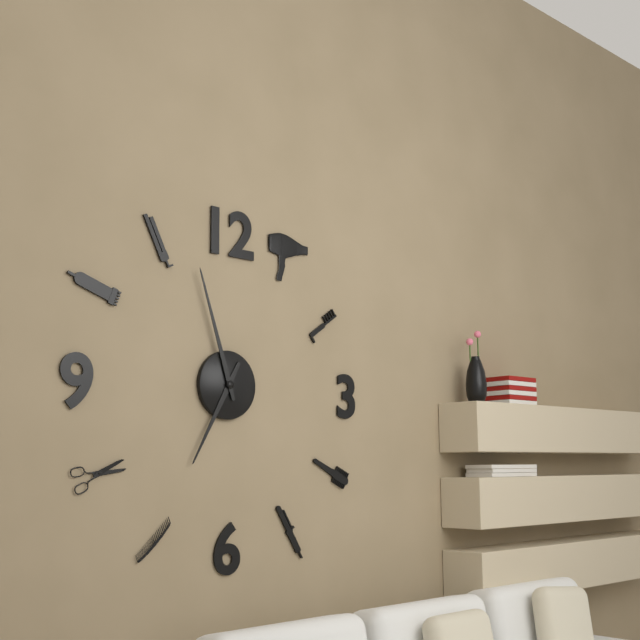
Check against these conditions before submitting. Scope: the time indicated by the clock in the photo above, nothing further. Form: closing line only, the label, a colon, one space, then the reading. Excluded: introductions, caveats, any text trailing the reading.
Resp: 6:57
